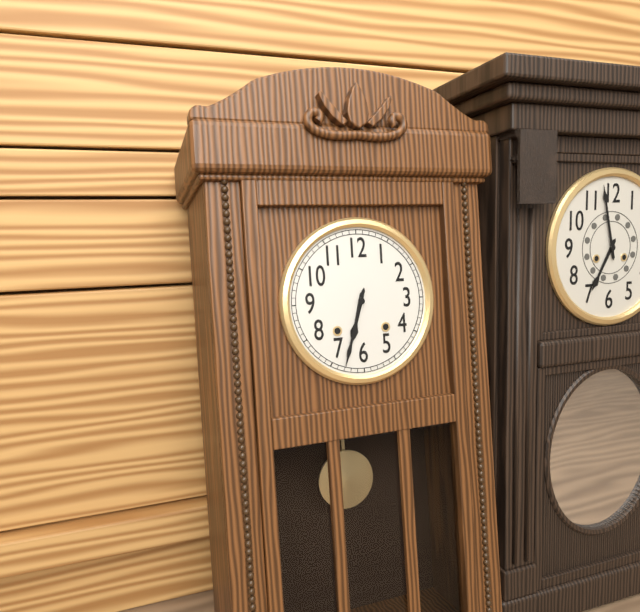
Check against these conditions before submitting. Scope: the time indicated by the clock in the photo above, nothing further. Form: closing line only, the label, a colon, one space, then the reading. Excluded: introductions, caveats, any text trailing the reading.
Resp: 6:33
